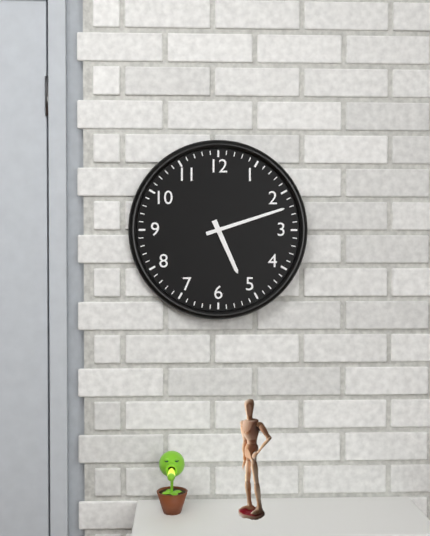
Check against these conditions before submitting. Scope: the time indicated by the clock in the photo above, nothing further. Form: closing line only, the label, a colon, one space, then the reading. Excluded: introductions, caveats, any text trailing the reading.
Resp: 5:12
